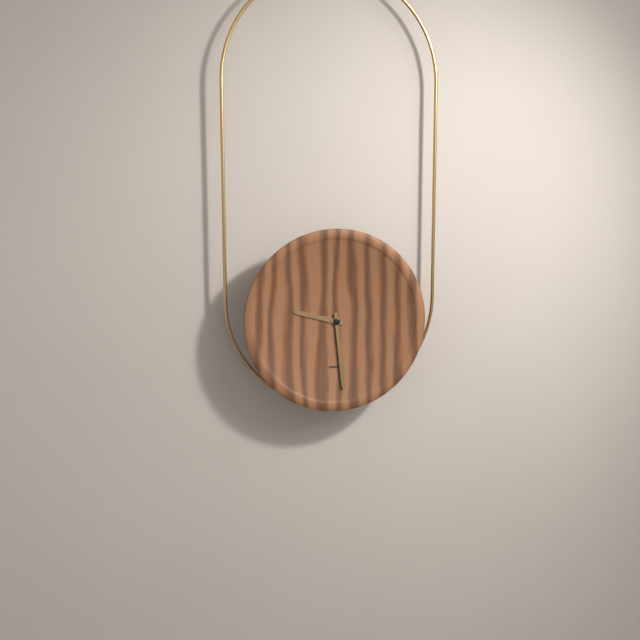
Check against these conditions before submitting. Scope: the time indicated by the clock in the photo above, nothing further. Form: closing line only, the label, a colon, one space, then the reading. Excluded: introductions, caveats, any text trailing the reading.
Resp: 9:29
